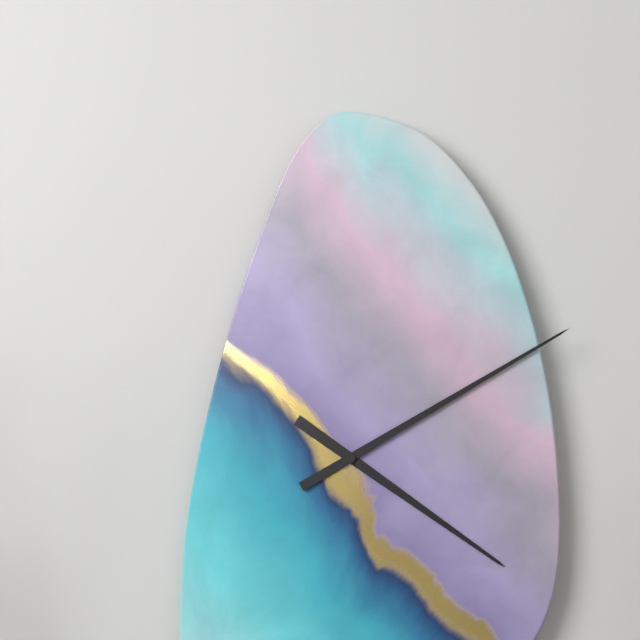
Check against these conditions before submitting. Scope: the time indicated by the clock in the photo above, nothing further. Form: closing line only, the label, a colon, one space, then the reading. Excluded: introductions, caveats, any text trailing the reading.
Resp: 4:10
